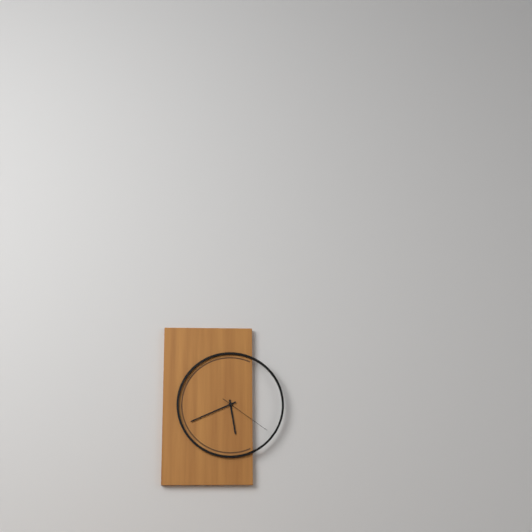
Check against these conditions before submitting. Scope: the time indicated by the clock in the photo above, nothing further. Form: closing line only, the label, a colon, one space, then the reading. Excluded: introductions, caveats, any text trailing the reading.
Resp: 5:41:21
